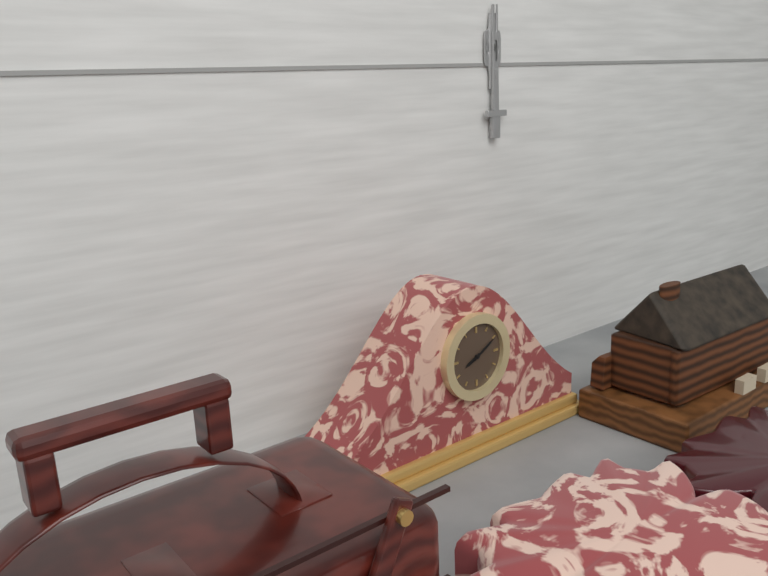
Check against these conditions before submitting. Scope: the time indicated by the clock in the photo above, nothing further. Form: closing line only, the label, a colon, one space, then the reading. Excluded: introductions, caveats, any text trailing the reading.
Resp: 8:10
